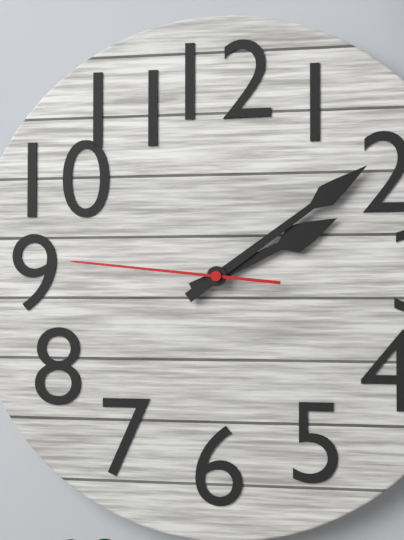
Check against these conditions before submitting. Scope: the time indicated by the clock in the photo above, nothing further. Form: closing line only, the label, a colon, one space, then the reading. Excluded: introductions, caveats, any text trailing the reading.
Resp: 2:09:46
